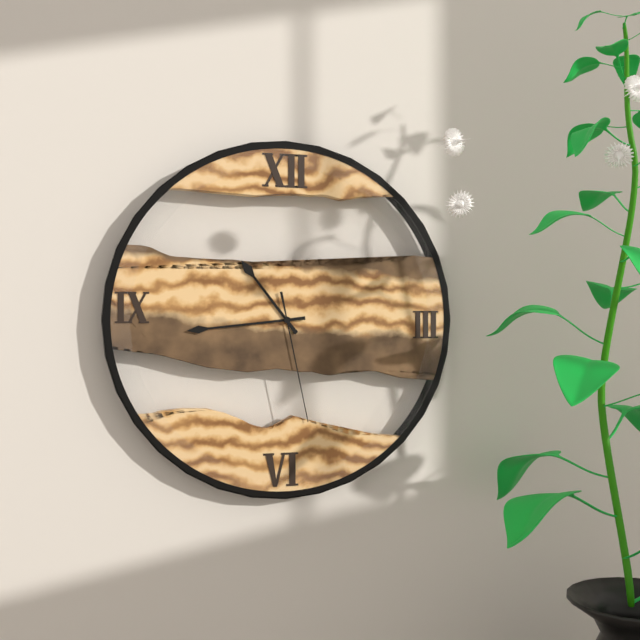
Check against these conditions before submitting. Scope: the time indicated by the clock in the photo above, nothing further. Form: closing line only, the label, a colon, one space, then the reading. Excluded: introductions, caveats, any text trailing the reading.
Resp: 10:44:28
